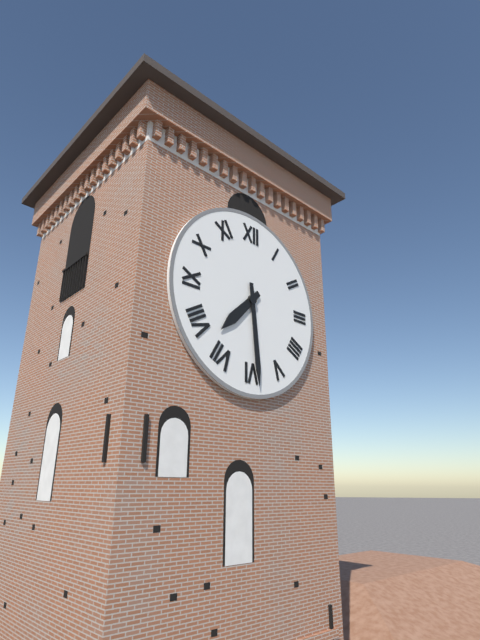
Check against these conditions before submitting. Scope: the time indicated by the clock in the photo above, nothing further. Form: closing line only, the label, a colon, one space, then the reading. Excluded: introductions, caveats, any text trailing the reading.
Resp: 7:29
